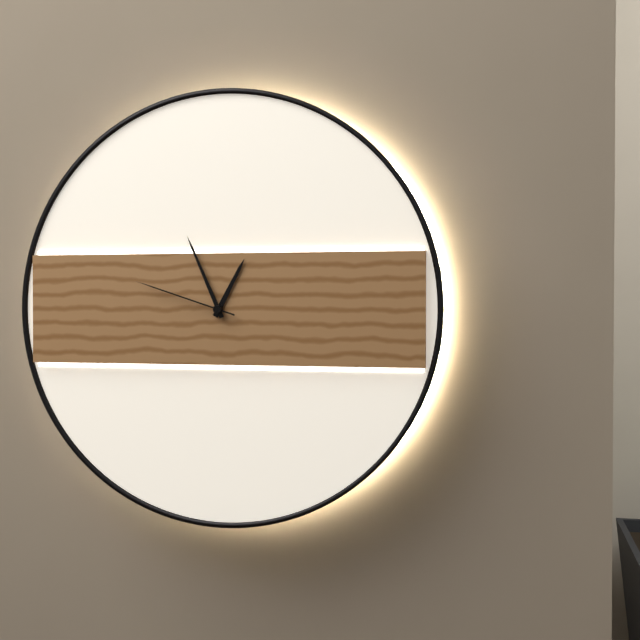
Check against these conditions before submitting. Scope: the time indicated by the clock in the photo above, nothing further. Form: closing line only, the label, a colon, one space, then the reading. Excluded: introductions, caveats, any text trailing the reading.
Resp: 12:56:48
